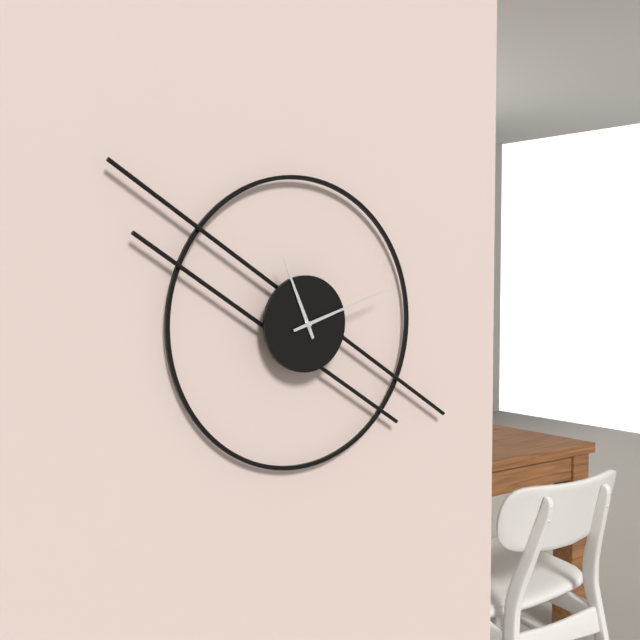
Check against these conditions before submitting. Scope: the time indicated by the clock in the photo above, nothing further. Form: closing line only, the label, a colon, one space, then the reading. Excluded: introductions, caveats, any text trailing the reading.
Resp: 11:12
